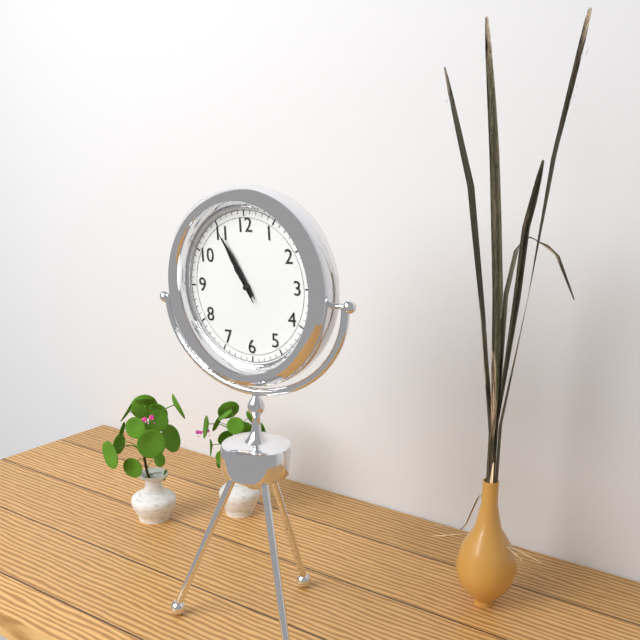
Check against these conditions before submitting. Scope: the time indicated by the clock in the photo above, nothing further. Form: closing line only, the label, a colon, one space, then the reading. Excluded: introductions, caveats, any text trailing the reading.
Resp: 10:55:55
